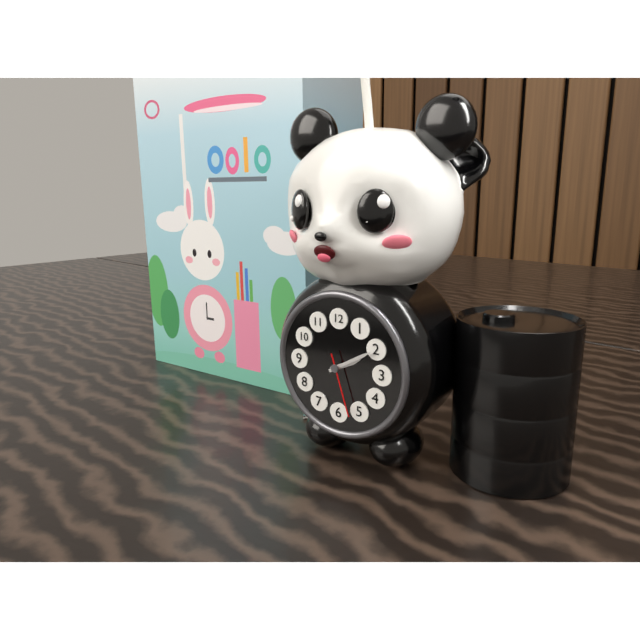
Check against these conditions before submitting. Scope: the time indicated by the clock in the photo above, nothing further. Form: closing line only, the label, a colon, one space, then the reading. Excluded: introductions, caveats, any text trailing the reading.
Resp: 2:10:27
